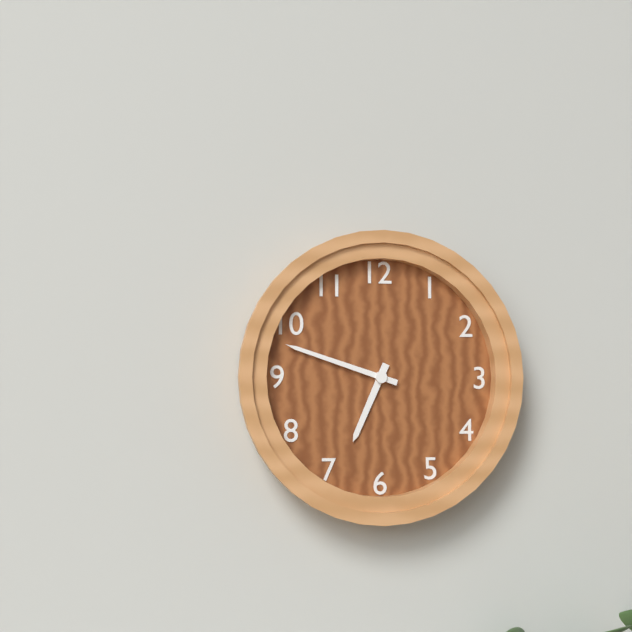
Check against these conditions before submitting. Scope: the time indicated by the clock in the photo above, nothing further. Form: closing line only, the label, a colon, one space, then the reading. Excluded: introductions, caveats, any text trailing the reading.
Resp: 6:48
